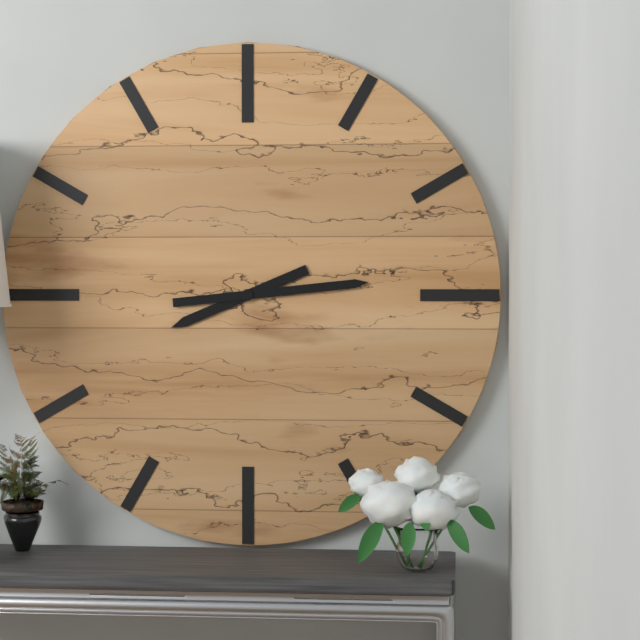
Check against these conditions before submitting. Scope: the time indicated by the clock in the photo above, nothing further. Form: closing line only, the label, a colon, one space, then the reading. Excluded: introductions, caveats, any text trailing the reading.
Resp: 8:14
